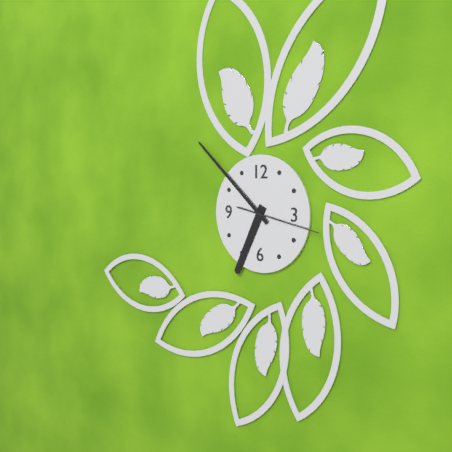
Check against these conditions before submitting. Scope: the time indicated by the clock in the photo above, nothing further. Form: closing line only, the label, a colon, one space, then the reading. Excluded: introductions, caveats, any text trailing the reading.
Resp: 6:52:17
